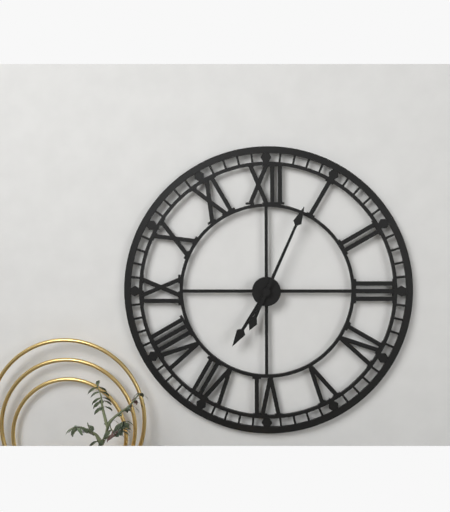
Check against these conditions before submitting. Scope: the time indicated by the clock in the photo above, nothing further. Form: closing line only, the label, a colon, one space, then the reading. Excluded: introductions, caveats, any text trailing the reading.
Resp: 7:04
